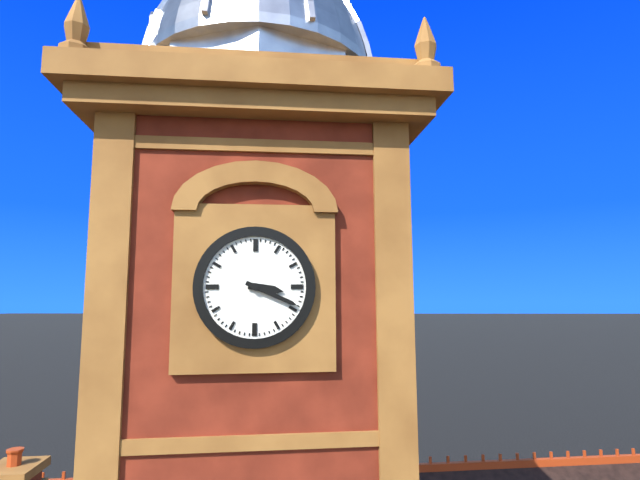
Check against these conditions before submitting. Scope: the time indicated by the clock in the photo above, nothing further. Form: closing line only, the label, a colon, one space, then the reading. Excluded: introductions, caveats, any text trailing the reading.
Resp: 3:19
